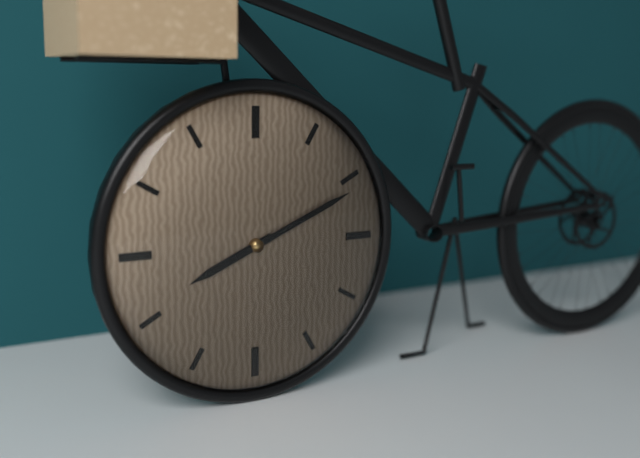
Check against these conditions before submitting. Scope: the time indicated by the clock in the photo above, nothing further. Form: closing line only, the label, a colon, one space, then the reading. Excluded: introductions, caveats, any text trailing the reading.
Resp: 8:11
